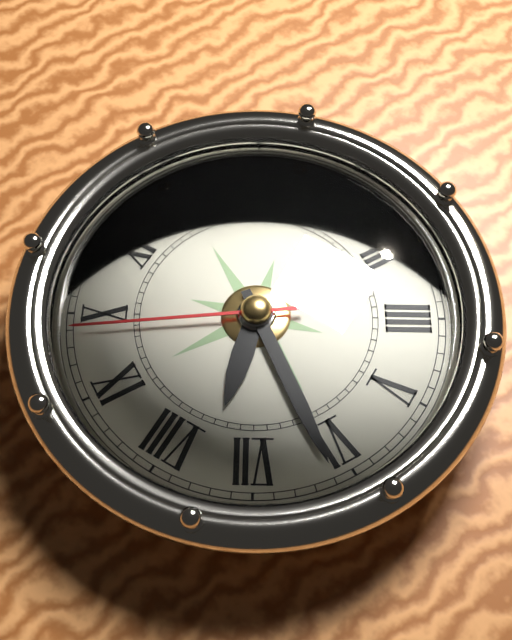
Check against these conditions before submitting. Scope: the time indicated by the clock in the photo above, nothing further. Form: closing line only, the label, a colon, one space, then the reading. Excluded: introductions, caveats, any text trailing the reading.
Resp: 7:31:49
